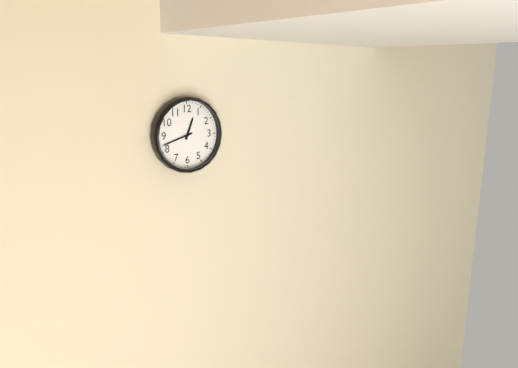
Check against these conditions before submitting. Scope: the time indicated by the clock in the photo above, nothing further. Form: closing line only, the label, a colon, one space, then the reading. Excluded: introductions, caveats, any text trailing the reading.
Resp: 12:42
